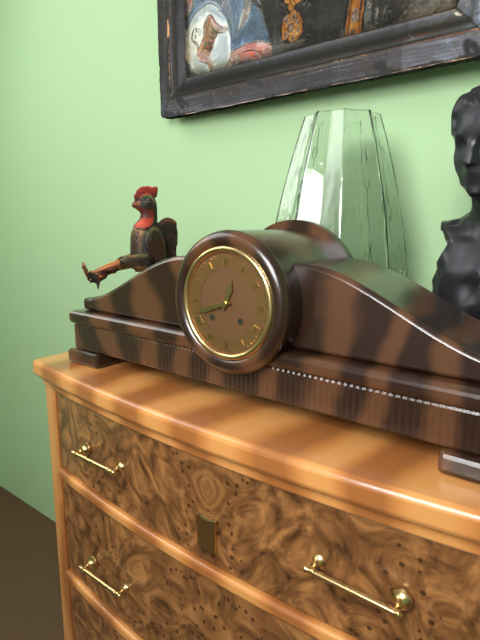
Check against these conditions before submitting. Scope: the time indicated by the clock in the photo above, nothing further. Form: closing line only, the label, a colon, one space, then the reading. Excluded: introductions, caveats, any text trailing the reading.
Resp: 12:42
